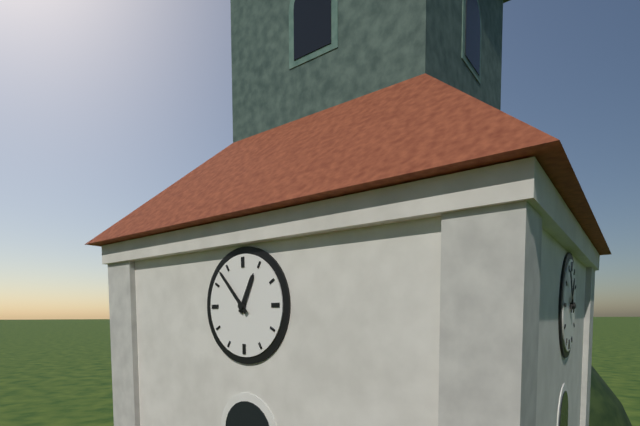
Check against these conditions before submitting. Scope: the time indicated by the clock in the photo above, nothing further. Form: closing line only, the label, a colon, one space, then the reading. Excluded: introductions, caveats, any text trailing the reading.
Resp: 12:53
